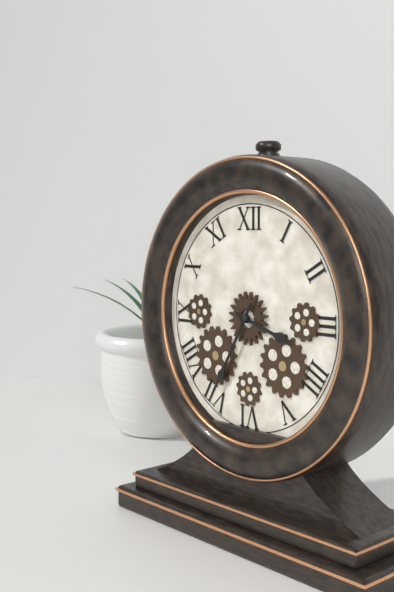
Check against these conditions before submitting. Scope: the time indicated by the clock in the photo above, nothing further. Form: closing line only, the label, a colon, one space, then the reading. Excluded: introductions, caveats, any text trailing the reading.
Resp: 3:35
